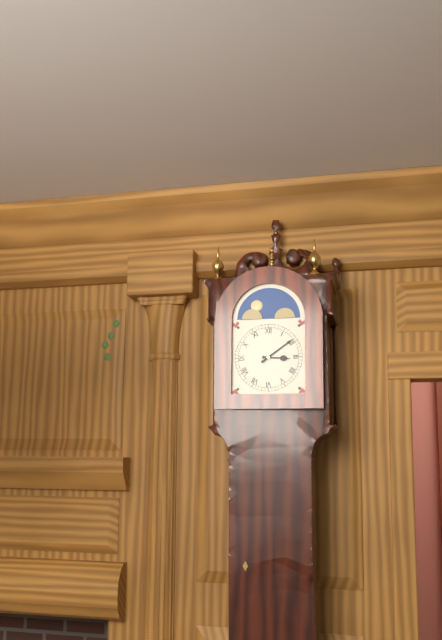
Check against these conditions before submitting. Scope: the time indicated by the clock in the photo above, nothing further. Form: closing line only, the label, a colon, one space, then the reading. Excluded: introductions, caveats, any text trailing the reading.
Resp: 3:09
